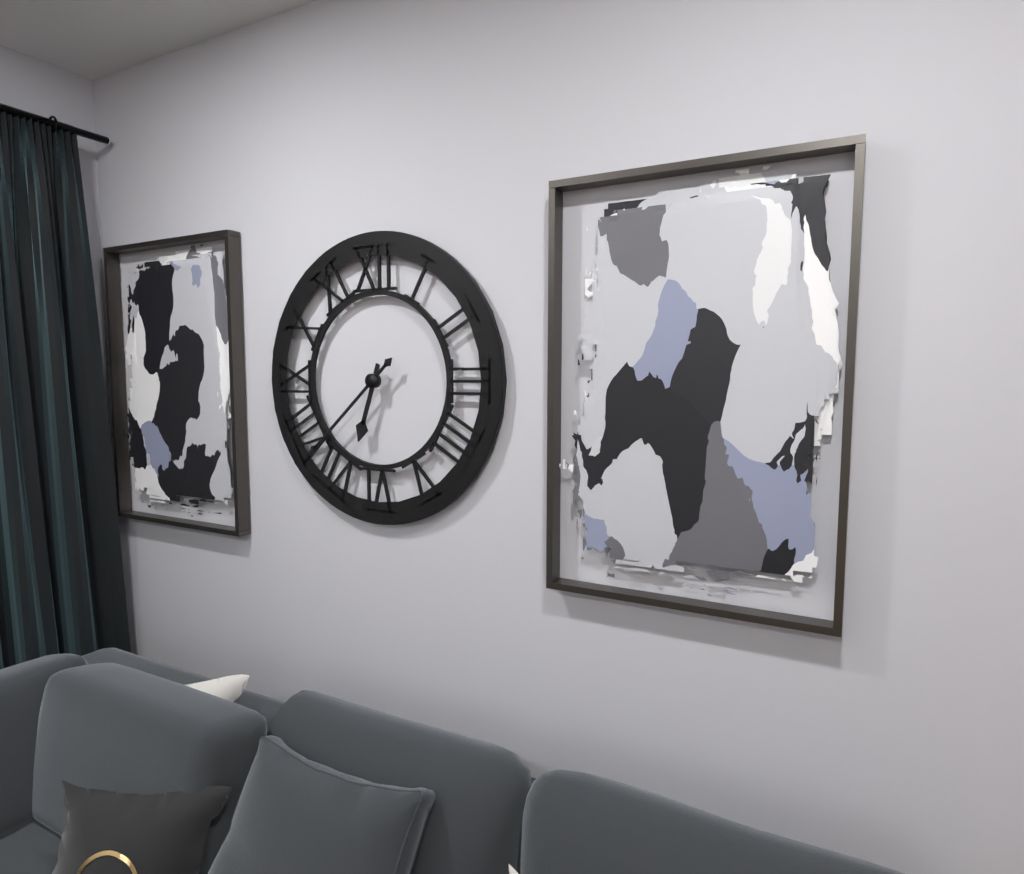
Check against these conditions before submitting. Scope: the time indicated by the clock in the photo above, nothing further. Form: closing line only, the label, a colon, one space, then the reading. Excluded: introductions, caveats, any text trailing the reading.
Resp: 6:38
